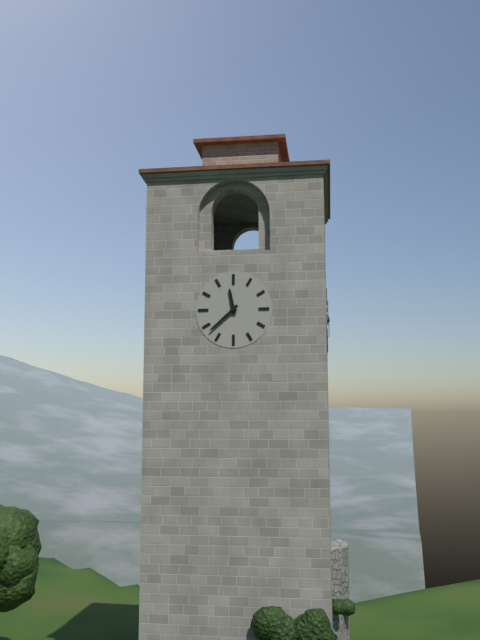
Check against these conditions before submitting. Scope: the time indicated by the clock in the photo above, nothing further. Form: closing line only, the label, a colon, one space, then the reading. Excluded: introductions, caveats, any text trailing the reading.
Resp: 11:38
